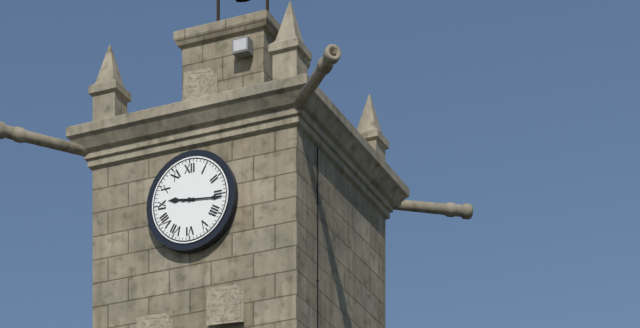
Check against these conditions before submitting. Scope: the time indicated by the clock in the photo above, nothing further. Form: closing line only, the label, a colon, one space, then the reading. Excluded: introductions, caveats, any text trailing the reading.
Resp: 9:16
